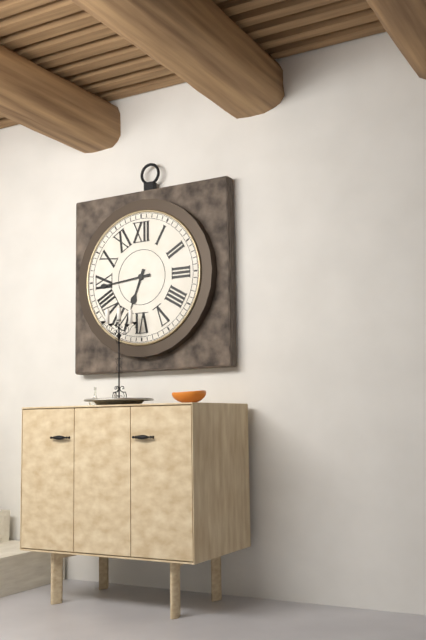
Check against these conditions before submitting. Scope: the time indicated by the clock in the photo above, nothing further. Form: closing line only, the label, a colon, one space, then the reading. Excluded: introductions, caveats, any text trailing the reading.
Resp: 6:44
